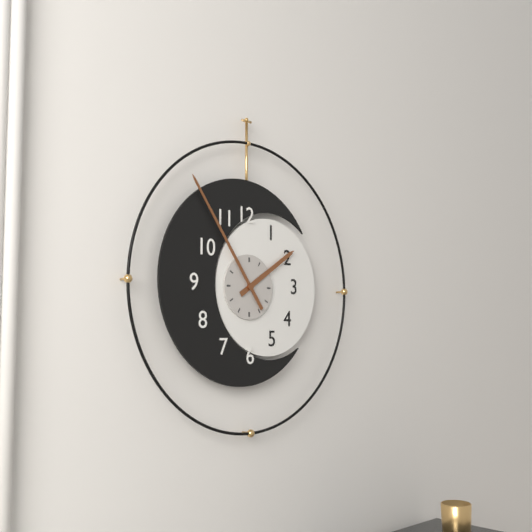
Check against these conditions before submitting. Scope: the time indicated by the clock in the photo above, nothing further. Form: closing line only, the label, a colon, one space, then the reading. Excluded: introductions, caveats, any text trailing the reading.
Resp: 1:54
